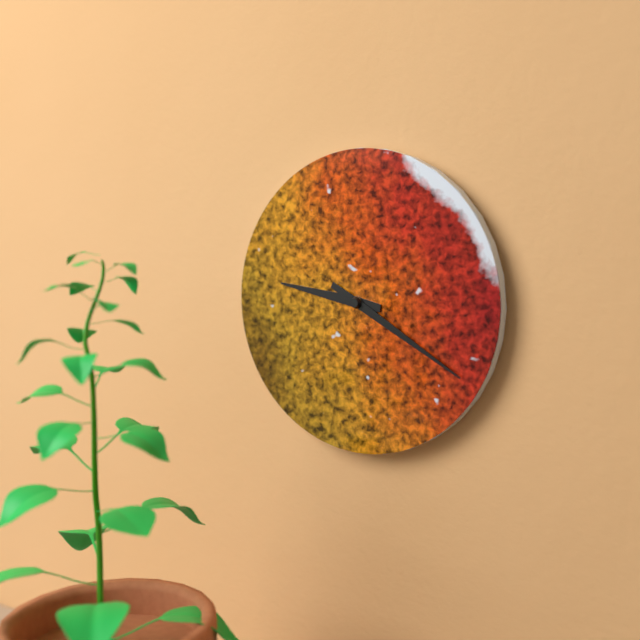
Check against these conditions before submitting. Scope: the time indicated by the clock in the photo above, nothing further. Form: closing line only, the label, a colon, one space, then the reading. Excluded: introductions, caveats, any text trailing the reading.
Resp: 9:20
